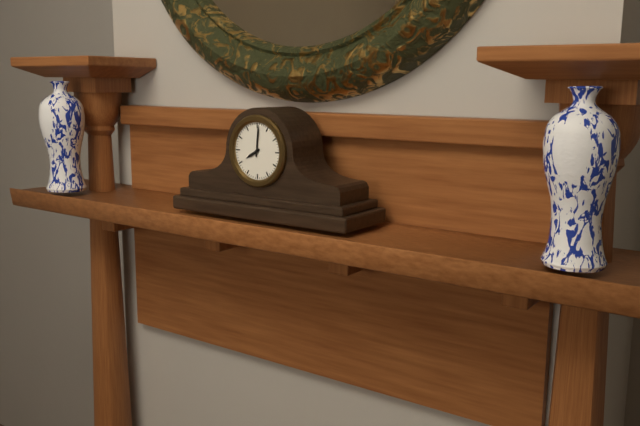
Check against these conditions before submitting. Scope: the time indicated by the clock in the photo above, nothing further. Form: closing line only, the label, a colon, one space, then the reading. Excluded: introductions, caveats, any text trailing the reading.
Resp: 8:01
